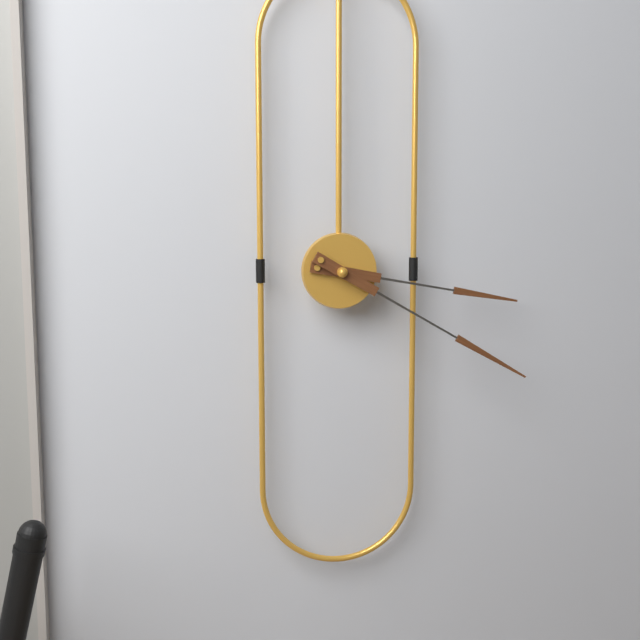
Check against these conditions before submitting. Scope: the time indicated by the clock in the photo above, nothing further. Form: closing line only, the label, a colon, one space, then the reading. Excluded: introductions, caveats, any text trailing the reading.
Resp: 3:20
